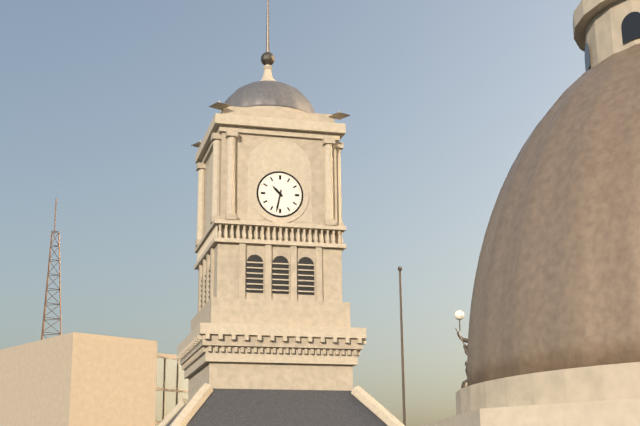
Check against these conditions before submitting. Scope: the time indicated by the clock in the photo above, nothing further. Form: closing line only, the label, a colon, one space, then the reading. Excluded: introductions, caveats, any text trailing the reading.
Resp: 10:32
